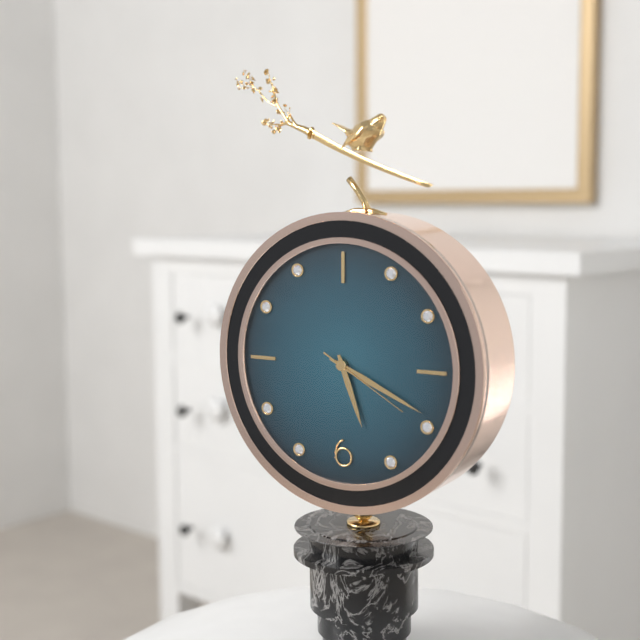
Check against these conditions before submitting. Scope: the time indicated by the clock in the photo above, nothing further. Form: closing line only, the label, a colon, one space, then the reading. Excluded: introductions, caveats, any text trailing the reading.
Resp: 5:19:20
